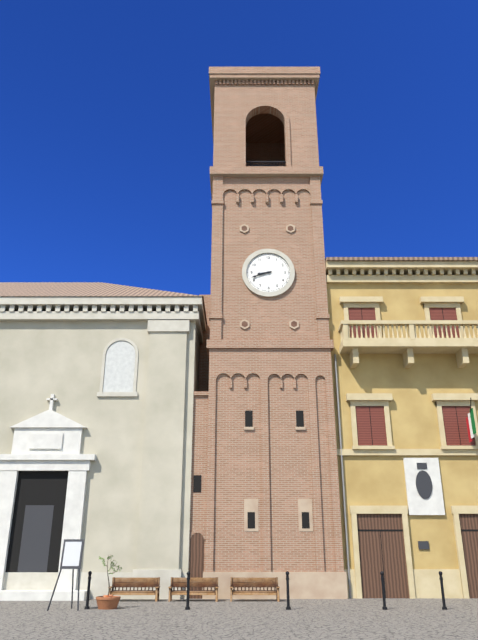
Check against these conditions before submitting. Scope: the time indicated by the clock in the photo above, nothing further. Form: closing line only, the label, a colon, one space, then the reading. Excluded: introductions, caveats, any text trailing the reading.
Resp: 8:42
